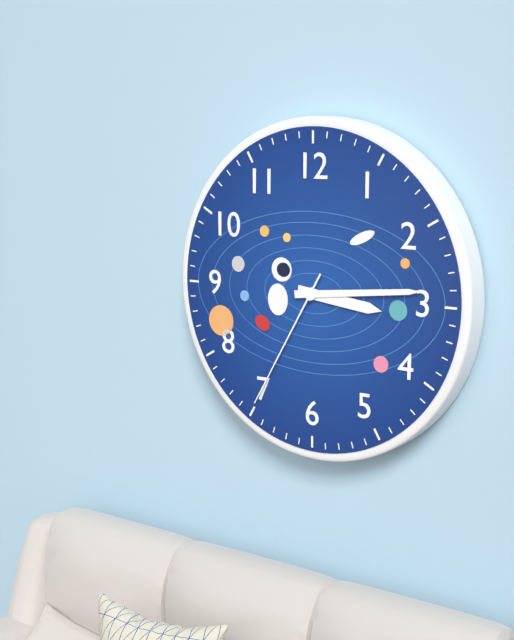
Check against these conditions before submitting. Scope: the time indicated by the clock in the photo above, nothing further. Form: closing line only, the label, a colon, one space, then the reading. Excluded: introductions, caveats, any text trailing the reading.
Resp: 3:14:35
